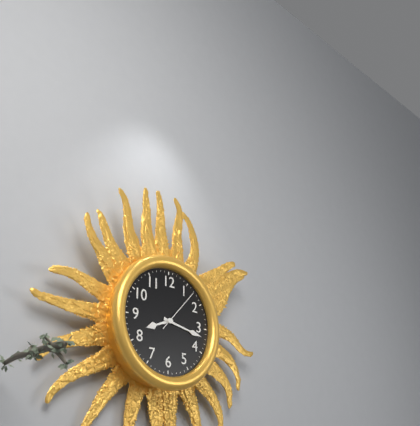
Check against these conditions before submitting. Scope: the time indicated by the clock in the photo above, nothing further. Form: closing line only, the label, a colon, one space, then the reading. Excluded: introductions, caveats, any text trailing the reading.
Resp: 8:17
